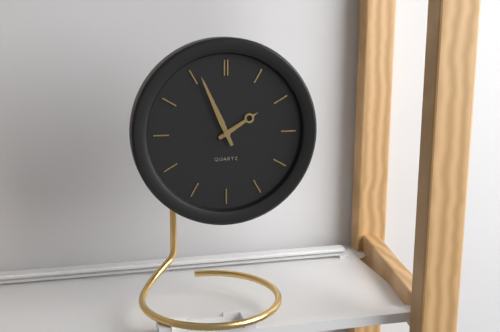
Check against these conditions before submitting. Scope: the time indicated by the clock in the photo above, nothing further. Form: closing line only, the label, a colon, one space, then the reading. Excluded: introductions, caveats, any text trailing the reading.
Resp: 1:56
